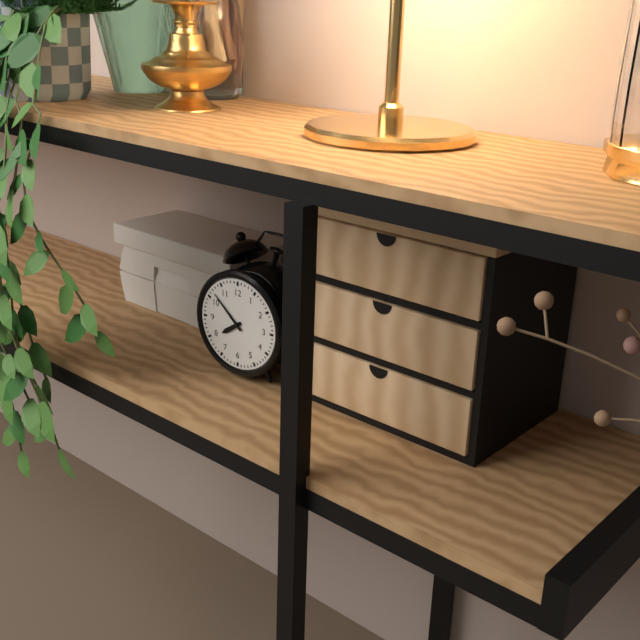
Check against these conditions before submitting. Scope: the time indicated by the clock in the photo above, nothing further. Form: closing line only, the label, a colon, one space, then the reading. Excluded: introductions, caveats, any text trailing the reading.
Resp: 7:52
